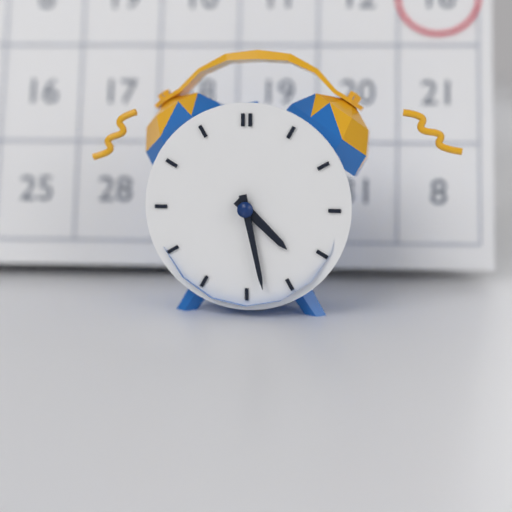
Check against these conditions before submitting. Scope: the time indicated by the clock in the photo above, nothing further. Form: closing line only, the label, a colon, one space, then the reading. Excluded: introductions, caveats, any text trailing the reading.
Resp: 4:28
